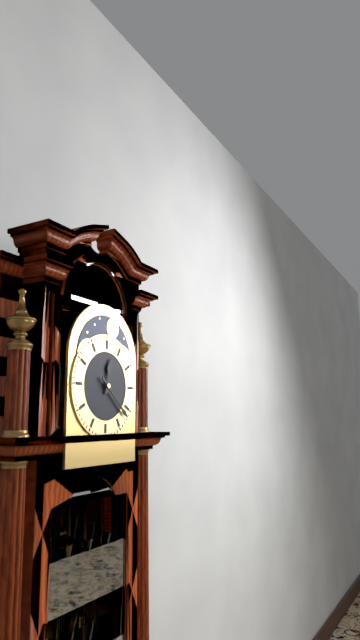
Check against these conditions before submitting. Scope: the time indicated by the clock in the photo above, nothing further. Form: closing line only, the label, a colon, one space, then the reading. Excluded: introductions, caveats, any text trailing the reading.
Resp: 12:22
